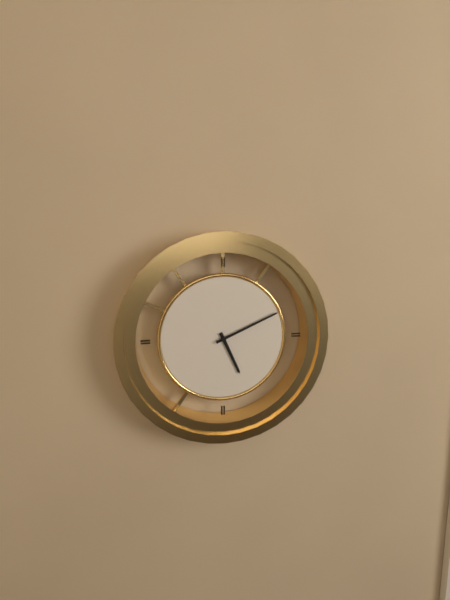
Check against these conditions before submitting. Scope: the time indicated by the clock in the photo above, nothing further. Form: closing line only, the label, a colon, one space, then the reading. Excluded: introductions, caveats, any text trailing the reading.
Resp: 5:11
